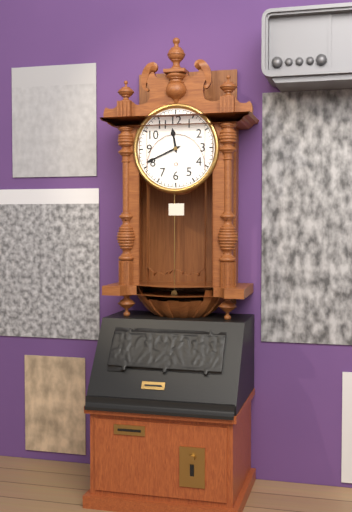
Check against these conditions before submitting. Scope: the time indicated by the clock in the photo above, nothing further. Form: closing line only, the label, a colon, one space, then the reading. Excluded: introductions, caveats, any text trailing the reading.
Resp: 11:41
